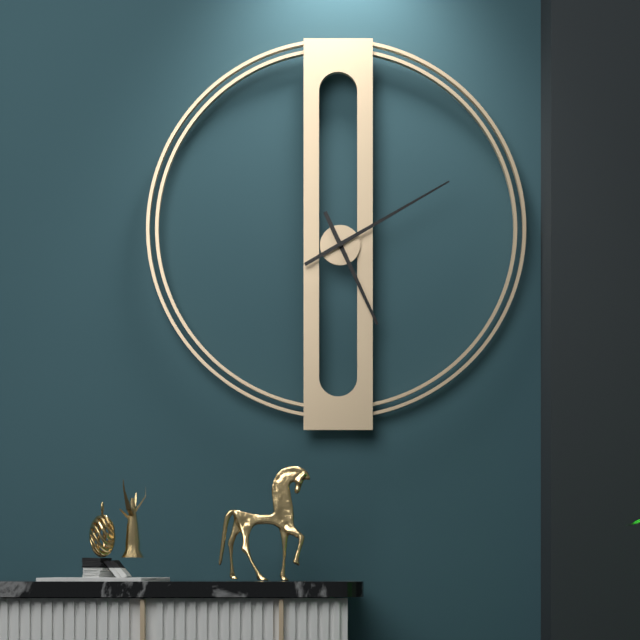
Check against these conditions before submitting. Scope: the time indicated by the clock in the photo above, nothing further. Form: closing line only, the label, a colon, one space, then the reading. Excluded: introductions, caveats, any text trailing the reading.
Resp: 5:10
